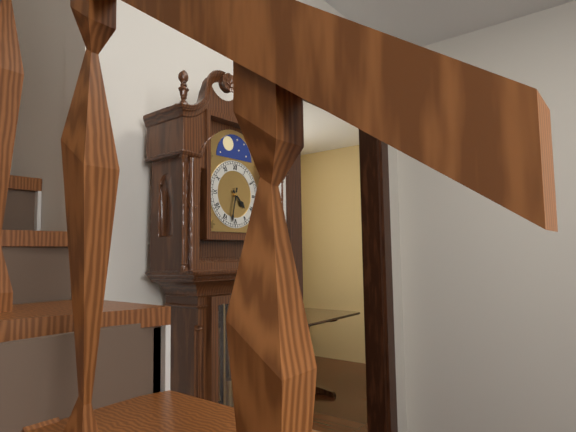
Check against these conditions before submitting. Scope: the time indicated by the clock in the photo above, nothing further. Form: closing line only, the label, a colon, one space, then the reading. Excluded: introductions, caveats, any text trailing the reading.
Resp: 4:32
